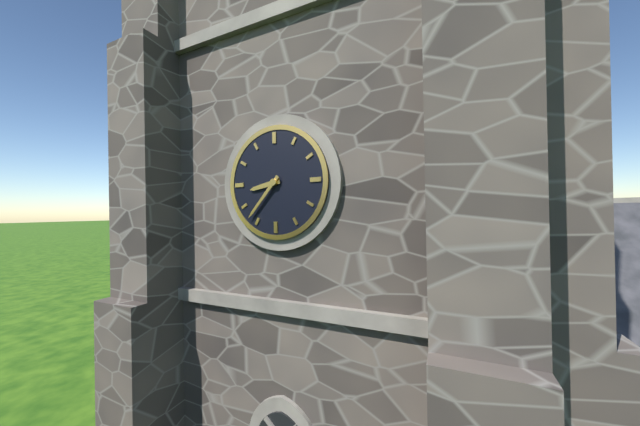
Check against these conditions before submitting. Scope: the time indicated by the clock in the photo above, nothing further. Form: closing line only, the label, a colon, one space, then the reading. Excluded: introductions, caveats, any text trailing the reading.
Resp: 8:37
